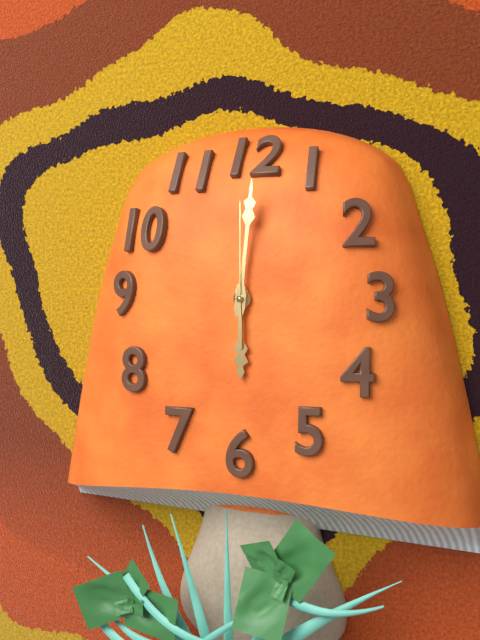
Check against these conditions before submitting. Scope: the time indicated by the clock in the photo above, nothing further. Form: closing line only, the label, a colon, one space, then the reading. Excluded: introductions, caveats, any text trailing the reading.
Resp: 6:01:00
